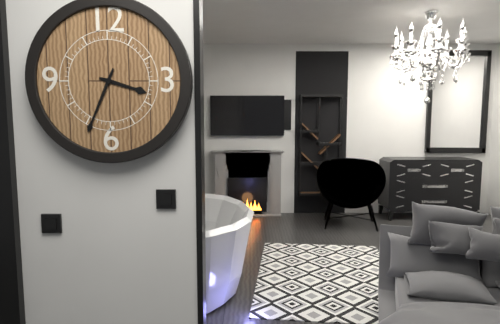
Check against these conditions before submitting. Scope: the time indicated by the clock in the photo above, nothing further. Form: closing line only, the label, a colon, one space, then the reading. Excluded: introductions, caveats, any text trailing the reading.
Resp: 3:34
